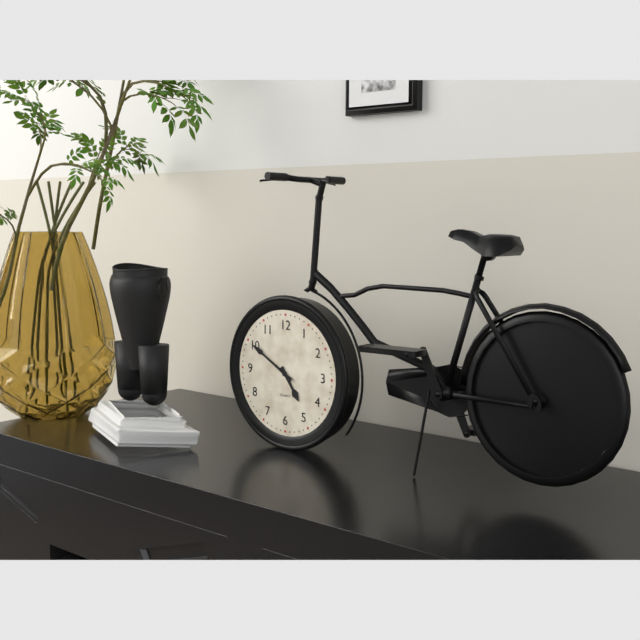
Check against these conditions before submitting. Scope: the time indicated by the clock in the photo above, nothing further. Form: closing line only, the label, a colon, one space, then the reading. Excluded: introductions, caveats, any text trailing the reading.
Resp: 4:50
